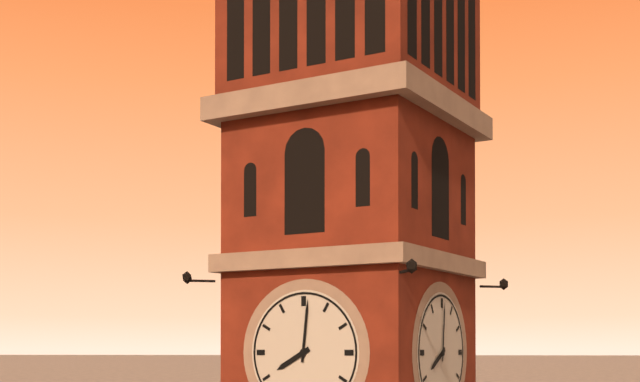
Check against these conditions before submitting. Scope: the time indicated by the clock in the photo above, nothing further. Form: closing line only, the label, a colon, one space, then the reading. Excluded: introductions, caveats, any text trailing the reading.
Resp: 8:01
